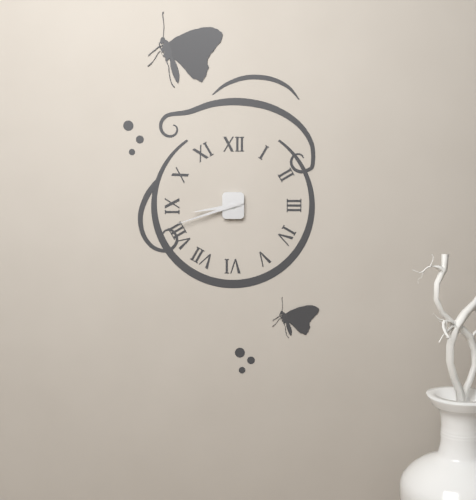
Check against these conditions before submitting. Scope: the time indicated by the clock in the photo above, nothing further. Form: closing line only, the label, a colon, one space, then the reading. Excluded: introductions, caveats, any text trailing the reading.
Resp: 8:42
